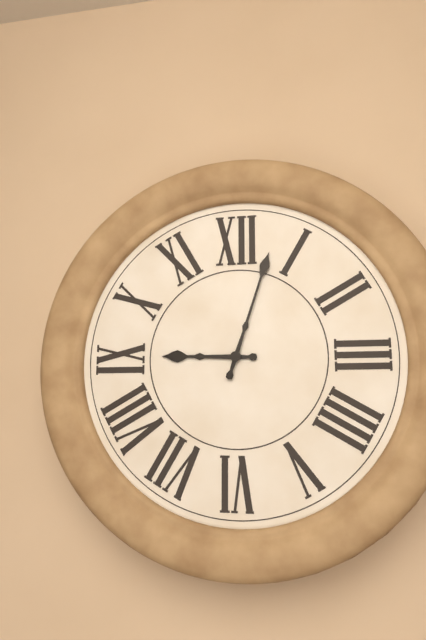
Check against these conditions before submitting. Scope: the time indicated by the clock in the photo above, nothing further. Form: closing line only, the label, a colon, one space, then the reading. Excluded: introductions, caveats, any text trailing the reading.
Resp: 9:03
